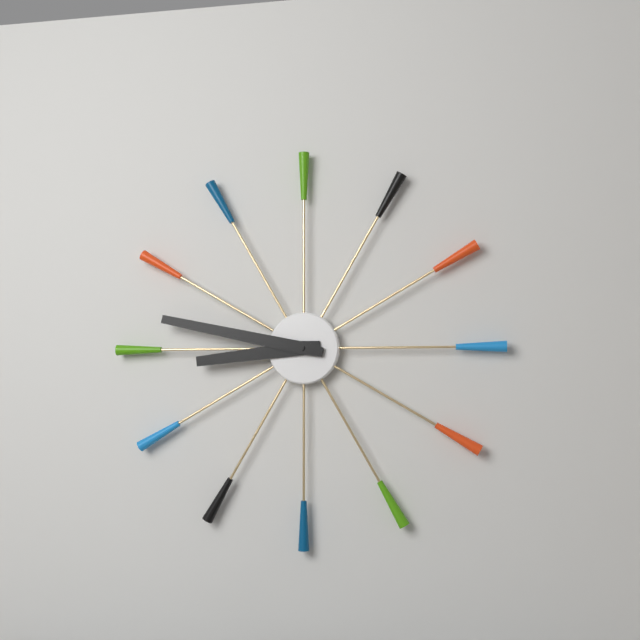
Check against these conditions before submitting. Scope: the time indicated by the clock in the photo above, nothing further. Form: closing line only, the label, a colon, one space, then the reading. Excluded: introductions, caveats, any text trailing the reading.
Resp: 8:47
